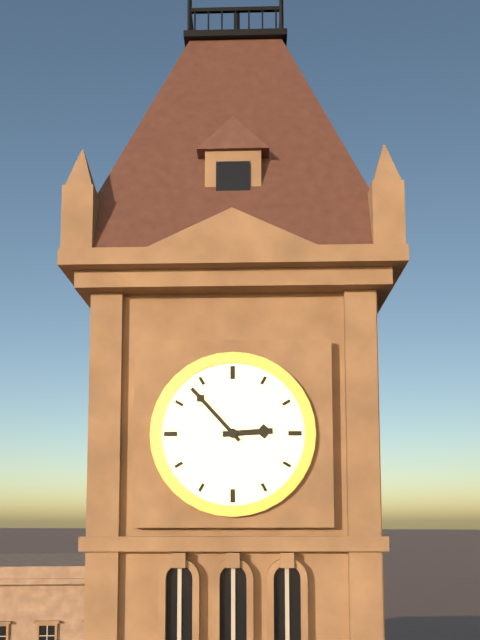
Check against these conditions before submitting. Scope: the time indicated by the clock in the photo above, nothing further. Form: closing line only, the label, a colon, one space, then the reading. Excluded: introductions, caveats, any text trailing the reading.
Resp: 2:53
